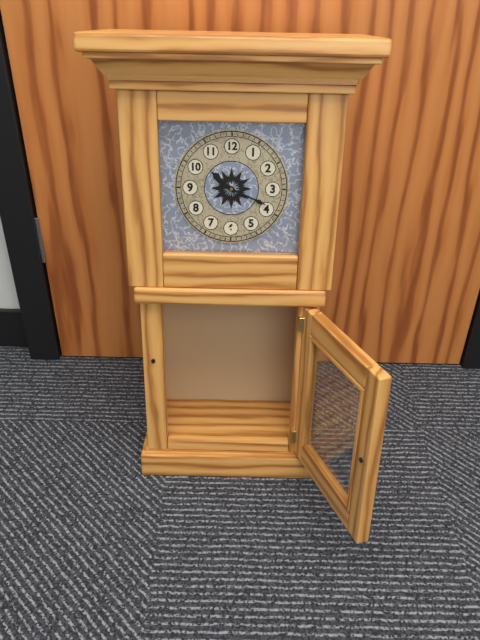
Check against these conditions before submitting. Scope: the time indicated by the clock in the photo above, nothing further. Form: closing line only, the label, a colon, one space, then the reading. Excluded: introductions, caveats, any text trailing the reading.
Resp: 10:19
